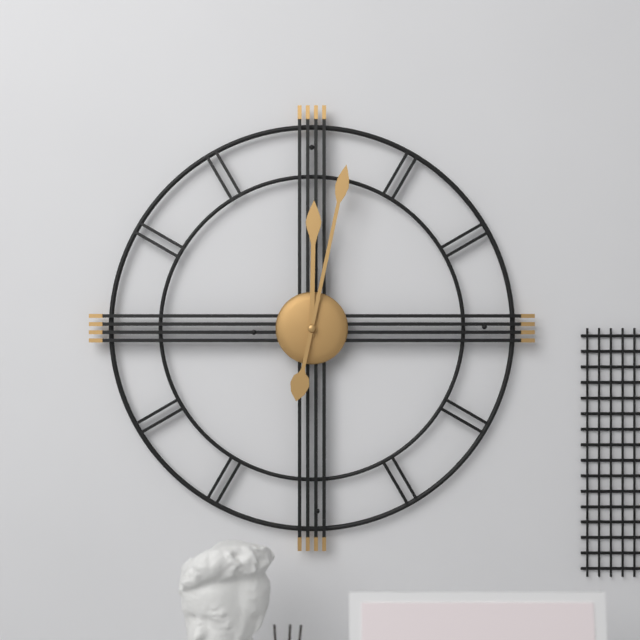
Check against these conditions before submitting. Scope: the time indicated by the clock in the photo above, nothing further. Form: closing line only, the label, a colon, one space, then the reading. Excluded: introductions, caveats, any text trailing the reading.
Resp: 12:02
